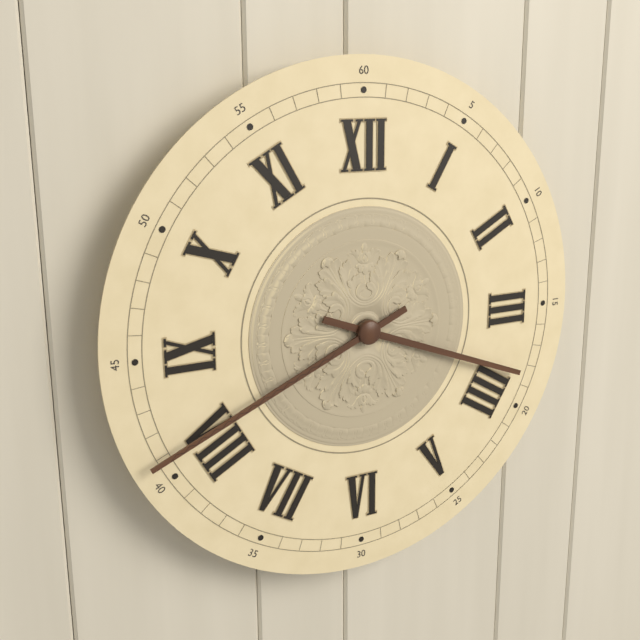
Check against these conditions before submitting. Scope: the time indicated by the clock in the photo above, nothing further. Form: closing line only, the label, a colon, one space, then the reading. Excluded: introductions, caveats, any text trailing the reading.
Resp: 3:41
